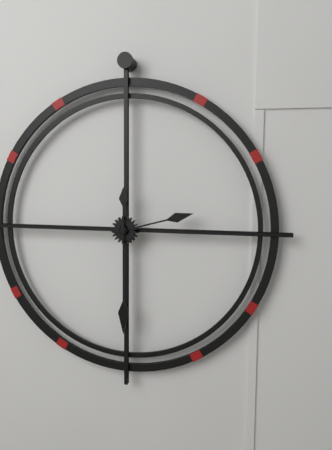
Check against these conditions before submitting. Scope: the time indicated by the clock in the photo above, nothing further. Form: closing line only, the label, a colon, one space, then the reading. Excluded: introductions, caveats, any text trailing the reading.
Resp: 2:30
